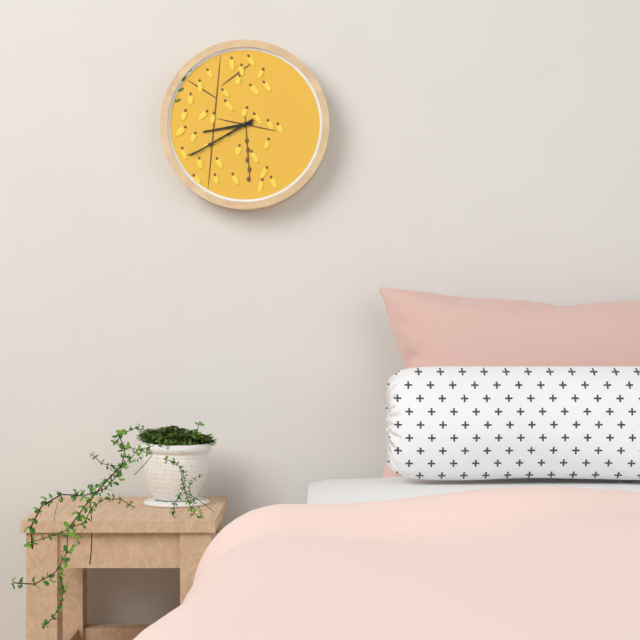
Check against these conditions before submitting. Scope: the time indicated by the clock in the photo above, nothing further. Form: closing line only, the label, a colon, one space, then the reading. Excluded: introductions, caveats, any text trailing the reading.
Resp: 8:40
